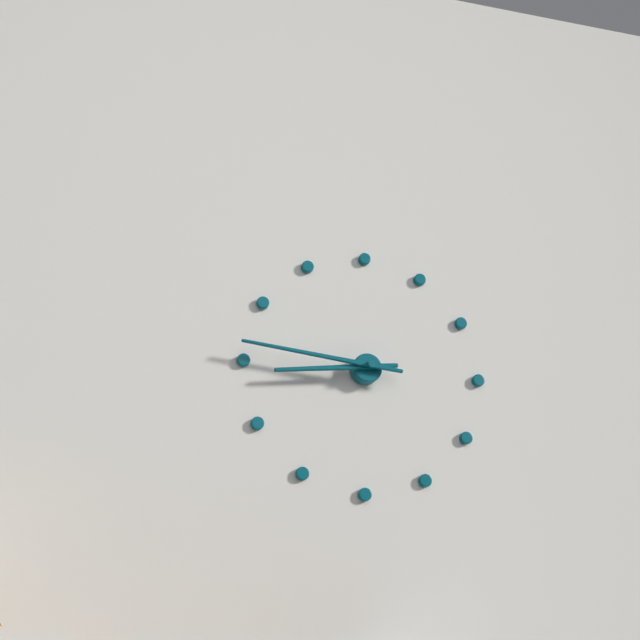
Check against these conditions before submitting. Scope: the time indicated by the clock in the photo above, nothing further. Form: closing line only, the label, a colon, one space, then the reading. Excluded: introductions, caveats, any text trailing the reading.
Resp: 8:46
